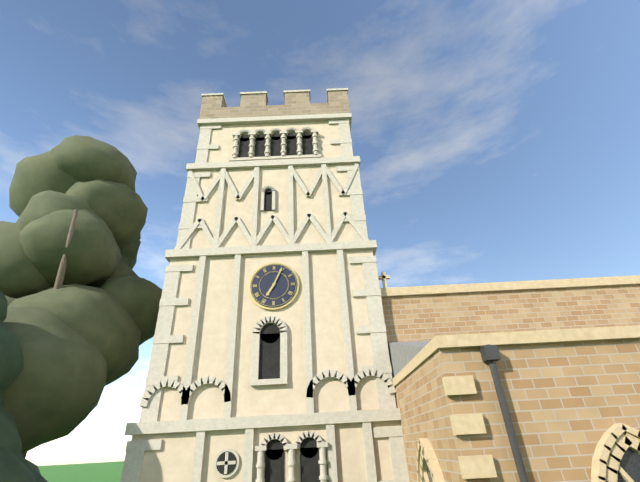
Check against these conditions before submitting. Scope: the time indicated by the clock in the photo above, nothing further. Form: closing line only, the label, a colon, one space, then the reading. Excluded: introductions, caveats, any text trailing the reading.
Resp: 7:04
